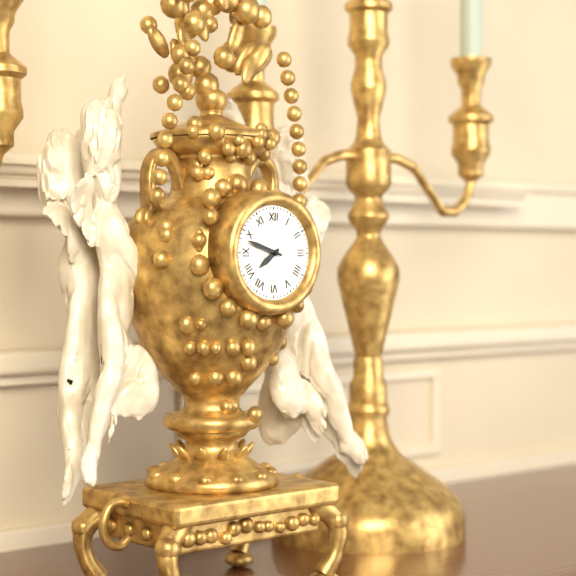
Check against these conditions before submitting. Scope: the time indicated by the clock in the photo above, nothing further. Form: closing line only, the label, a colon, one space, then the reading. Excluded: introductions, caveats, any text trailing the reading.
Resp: 7:48
